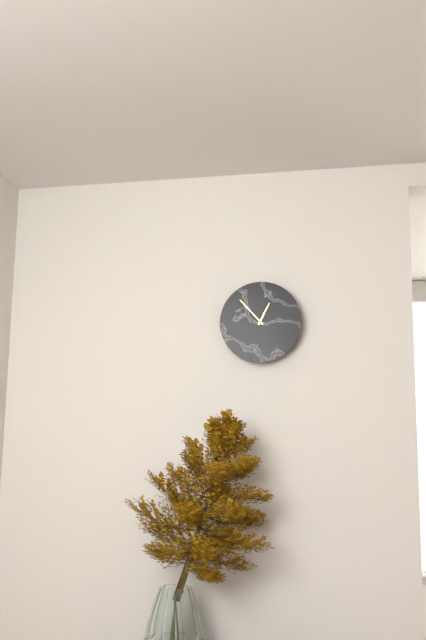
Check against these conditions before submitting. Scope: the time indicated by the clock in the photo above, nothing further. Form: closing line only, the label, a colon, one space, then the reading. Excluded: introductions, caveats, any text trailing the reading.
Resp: 12:53
